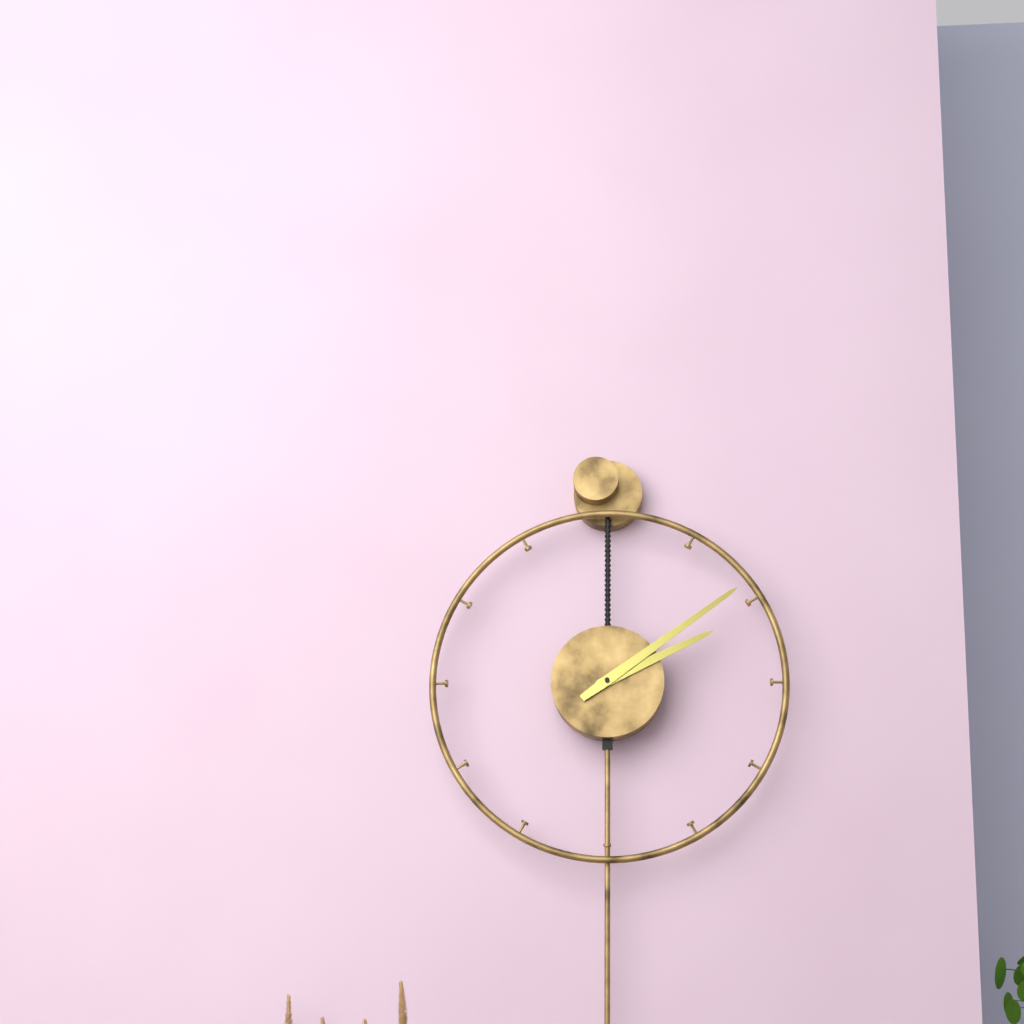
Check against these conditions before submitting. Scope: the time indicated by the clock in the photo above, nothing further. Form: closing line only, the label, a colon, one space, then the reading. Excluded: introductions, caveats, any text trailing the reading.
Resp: 2:09
